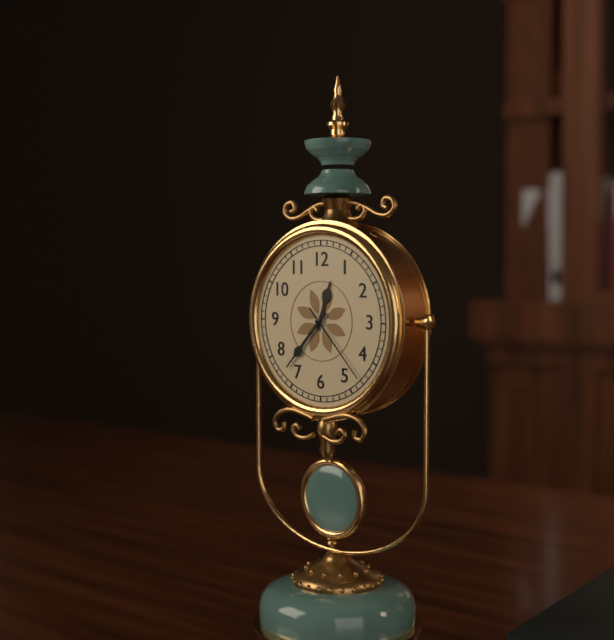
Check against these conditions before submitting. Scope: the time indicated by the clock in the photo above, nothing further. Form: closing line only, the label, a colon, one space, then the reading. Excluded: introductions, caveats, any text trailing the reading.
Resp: 12:37:23
